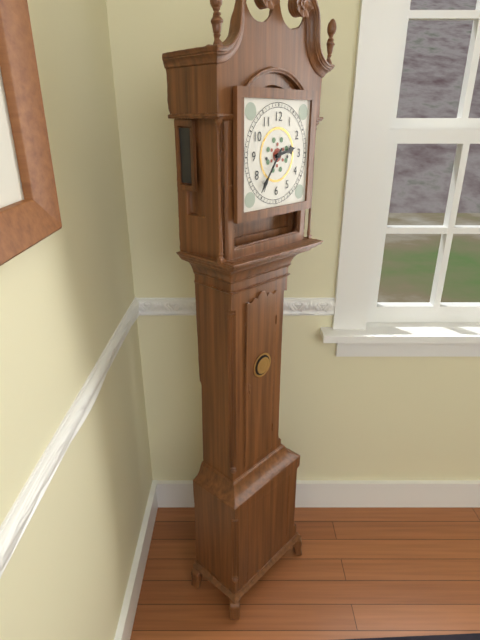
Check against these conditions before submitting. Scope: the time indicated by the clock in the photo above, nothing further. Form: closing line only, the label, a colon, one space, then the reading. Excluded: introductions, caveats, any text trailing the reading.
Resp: 2:36
